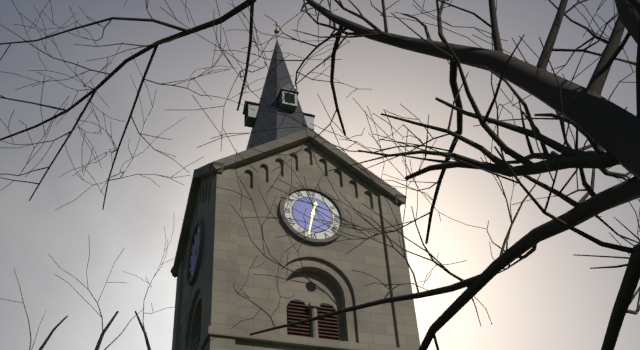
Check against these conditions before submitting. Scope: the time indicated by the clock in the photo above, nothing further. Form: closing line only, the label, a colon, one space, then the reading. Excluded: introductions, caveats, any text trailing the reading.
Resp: 12:32
